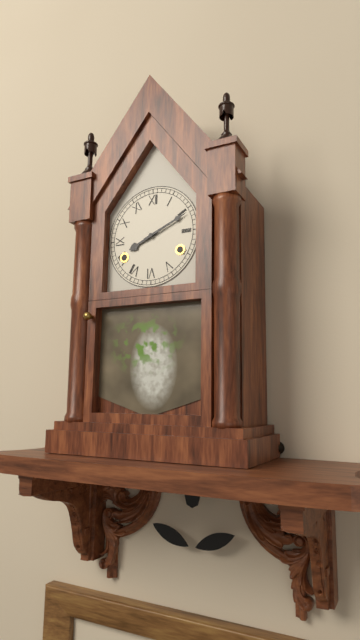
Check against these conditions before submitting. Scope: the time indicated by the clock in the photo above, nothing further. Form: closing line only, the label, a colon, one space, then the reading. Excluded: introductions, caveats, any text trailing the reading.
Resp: 8:11
